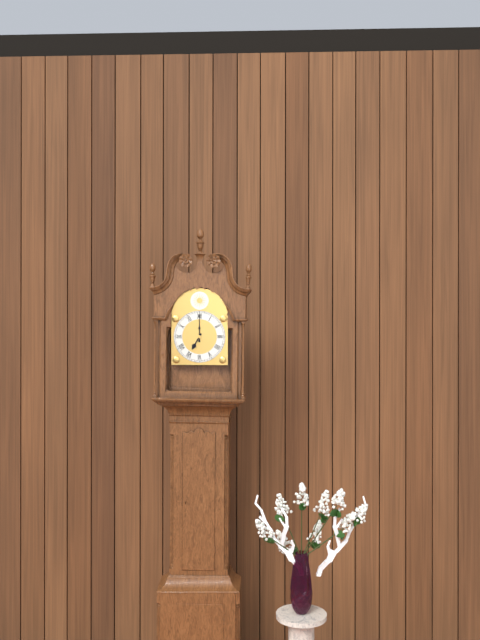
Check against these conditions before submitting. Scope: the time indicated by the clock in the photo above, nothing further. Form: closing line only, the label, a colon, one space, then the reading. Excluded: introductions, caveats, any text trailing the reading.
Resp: 7:00
